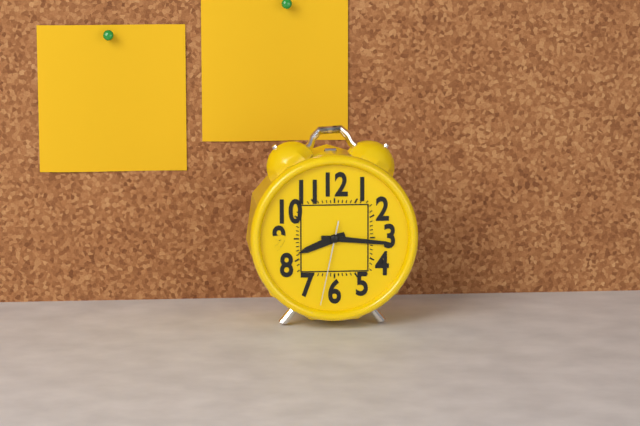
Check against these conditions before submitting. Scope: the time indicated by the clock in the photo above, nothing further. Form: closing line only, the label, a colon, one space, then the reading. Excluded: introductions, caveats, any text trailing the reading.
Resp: 8:16:32
